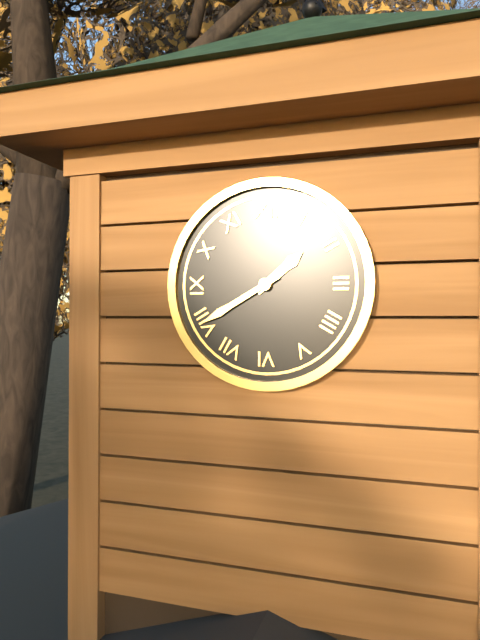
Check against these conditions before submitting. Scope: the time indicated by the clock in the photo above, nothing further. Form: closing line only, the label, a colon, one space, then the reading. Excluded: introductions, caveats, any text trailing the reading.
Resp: 1:40
